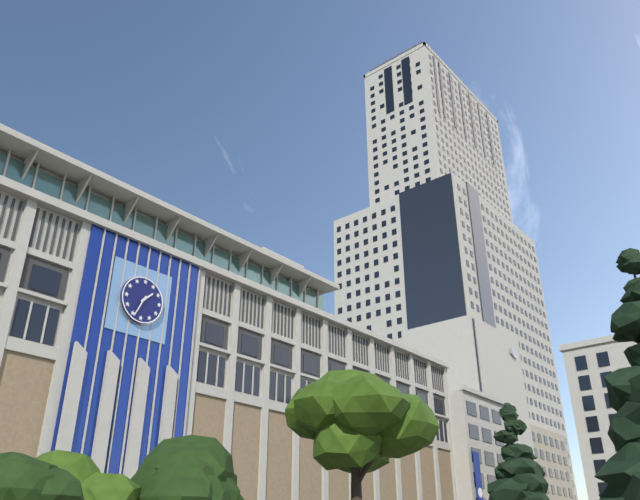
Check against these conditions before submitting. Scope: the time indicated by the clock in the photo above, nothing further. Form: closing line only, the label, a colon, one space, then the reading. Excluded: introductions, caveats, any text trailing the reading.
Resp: 1:34
